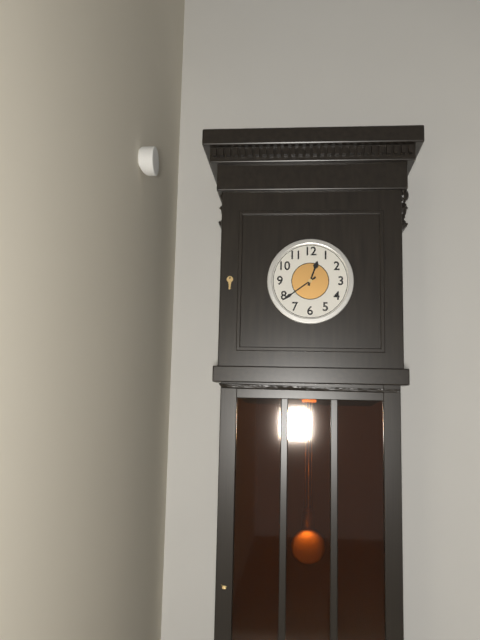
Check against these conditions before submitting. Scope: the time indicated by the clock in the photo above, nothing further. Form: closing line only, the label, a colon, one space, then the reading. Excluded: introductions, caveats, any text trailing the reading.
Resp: 12:39
